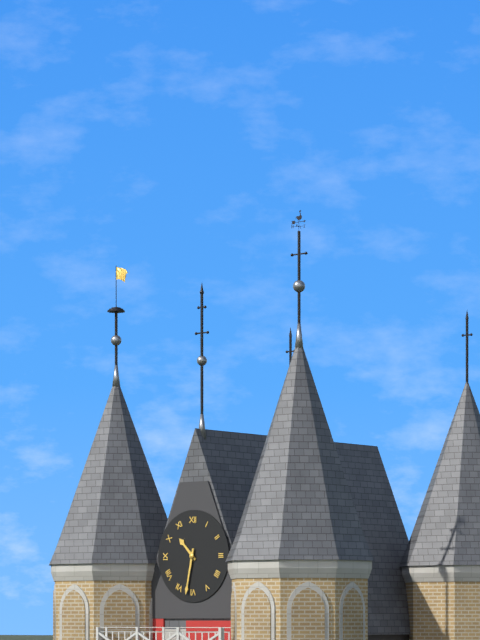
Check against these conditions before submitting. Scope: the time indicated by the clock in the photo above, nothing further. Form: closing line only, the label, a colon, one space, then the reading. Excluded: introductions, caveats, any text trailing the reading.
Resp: 10:32
